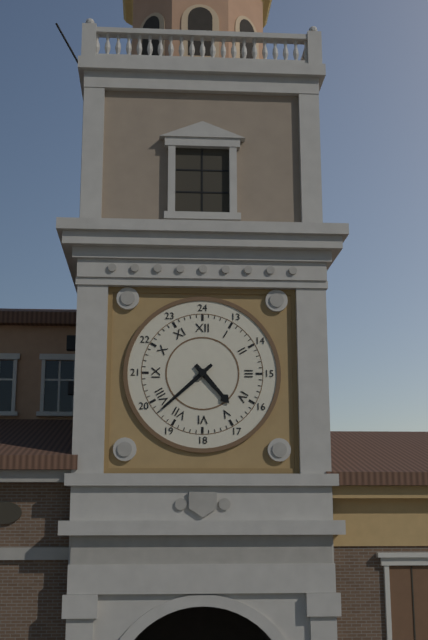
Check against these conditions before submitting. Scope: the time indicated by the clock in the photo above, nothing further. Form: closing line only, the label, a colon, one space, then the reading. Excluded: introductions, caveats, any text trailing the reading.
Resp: 4:38
